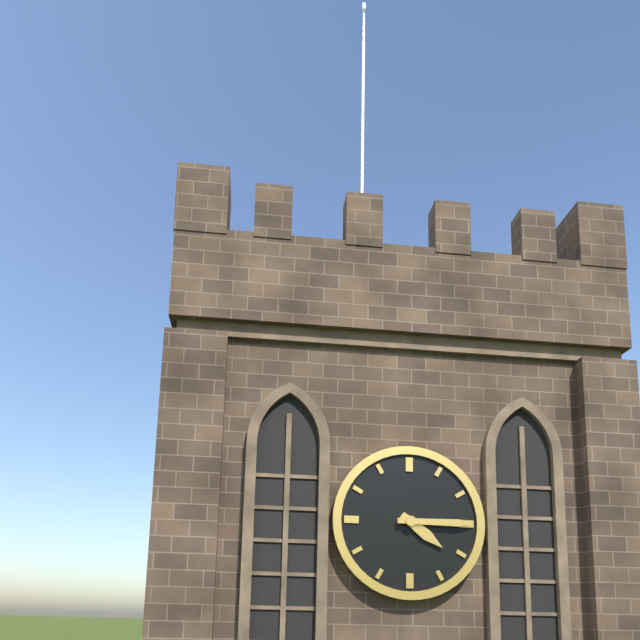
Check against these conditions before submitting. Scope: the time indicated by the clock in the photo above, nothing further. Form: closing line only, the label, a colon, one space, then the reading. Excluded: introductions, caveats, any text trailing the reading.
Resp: 4:15
